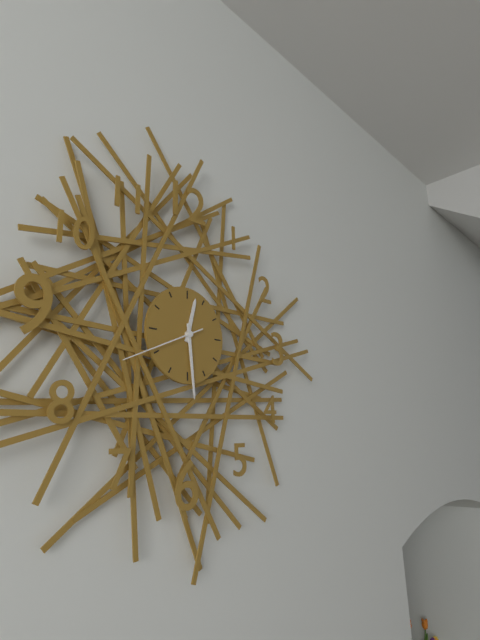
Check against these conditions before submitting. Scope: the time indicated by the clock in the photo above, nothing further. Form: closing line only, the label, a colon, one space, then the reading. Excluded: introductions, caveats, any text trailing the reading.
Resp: 12:29:41
